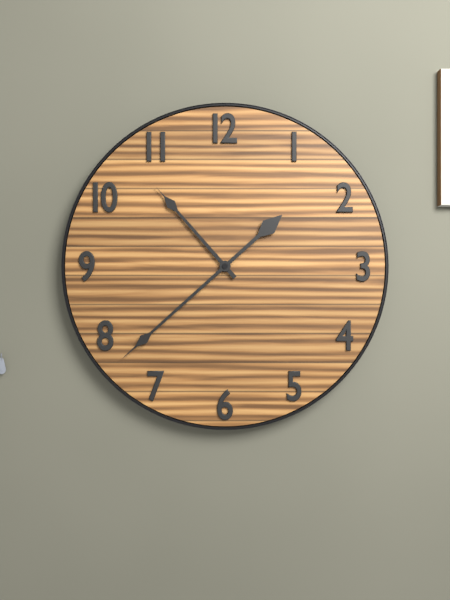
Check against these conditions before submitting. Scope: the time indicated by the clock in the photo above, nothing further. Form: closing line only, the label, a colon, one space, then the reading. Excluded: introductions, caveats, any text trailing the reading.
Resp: 10:38
